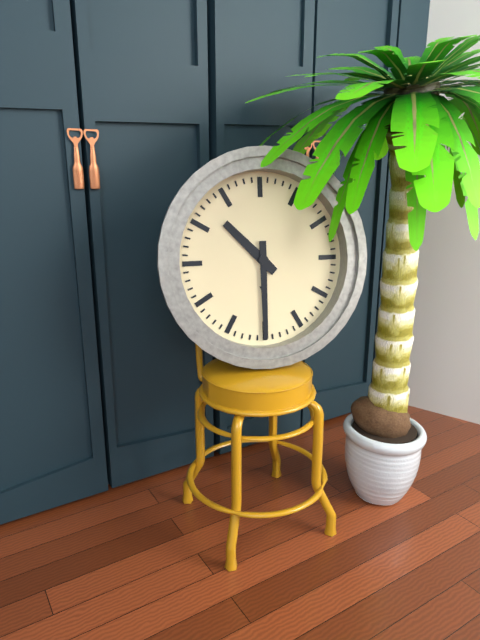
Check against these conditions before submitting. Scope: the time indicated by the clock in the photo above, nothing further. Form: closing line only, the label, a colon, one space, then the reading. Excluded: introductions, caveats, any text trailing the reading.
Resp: 10:30
